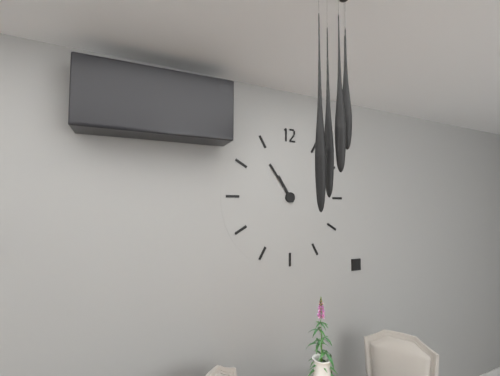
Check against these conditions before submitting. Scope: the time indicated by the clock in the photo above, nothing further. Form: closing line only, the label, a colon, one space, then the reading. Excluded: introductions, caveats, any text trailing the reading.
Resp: 10:54
